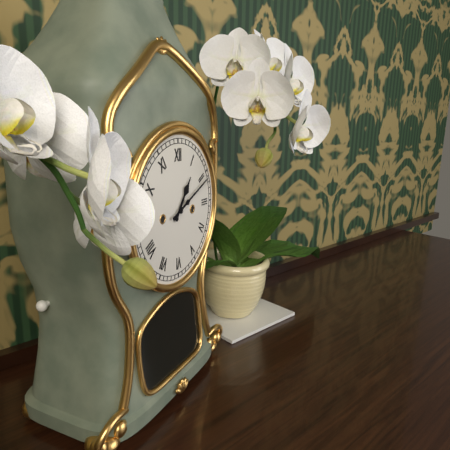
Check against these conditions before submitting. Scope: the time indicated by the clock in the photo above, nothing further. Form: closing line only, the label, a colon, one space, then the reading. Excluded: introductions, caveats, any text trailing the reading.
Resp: 1:11
